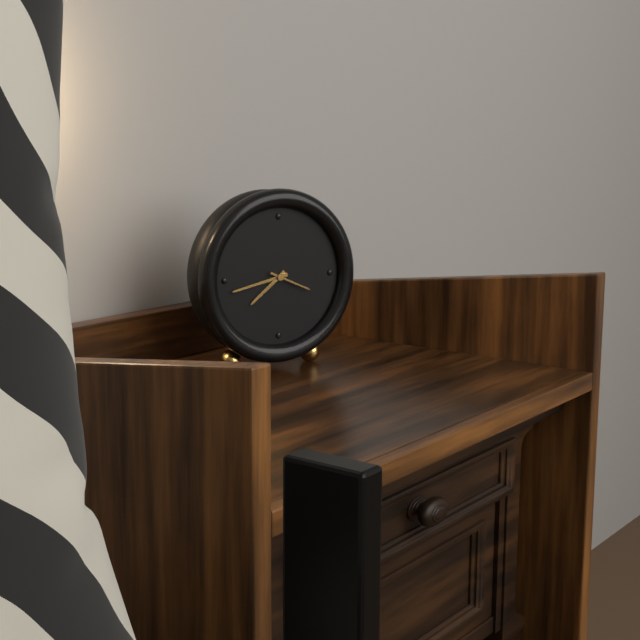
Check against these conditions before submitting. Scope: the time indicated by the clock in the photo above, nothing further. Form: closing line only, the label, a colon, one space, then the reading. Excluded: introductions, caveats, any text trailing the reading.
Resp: 7:43
